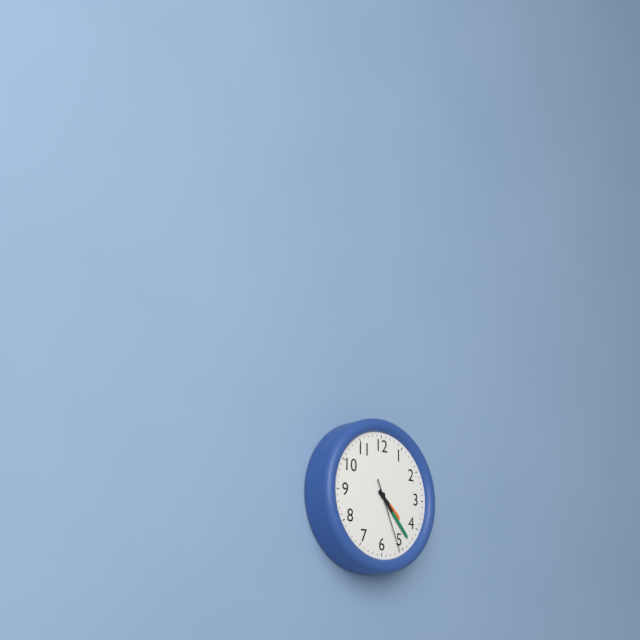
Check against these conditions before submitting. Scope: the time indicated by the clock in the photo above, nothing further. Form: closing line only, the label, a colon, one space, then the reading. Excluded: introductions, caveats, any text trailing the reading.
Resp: 4:23:26
